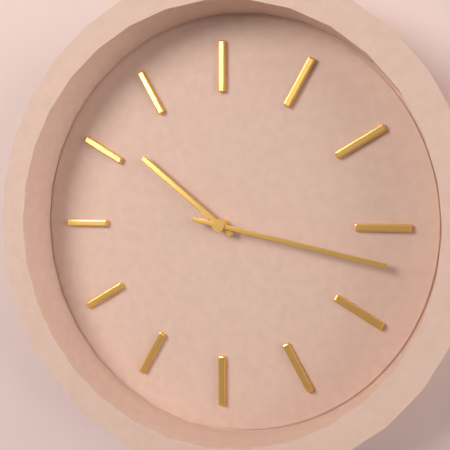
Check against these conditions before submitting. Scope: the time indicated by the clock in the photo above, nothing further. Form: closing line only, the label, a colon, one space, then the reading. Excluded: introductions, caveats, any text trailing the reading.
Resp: 10:17
